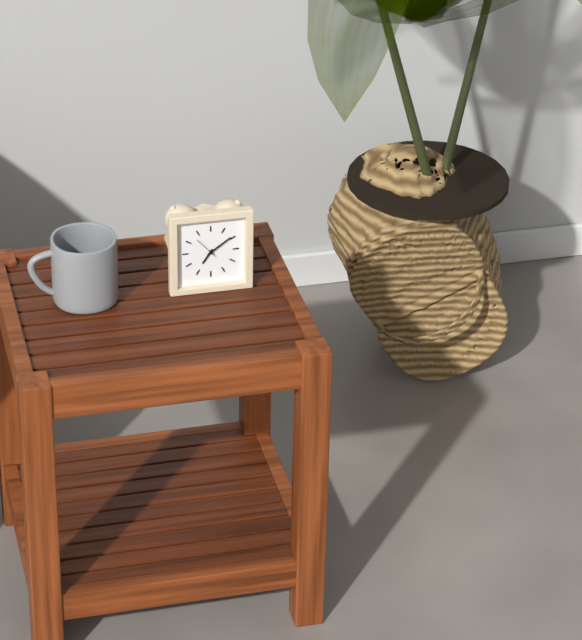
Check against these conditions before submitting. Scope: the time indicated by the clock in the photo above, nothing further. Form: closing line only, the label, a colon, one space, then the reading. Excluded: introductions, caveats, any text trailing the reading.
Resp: 7:09
